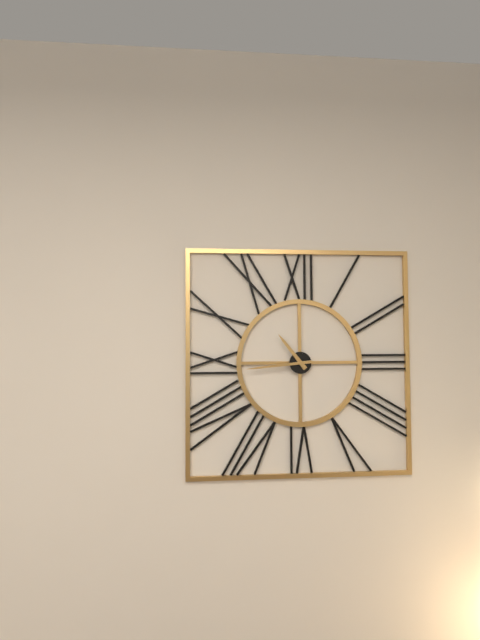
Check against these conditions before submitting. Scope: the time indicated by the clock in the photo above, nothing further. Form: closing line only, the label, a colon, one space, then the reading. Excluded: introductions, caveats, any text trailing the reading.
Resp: 10:44
